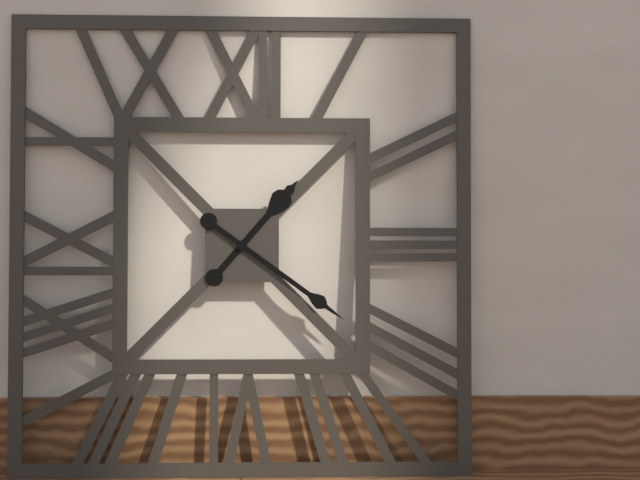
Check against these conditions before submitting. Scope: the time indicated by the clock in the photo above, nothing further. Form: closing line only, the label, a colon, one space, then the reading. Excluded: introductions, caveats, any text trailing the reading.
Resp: 1:21
